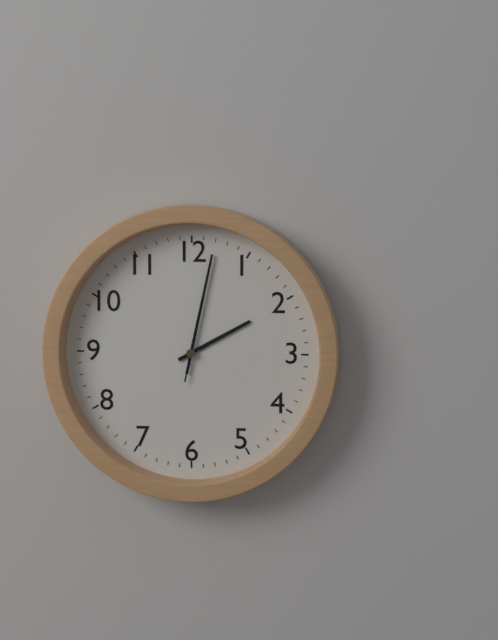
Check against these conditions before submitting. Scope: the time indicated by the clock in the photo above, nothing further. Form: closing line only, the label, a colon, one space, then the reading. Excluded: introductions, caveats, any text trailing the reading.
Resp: 2:02:02
